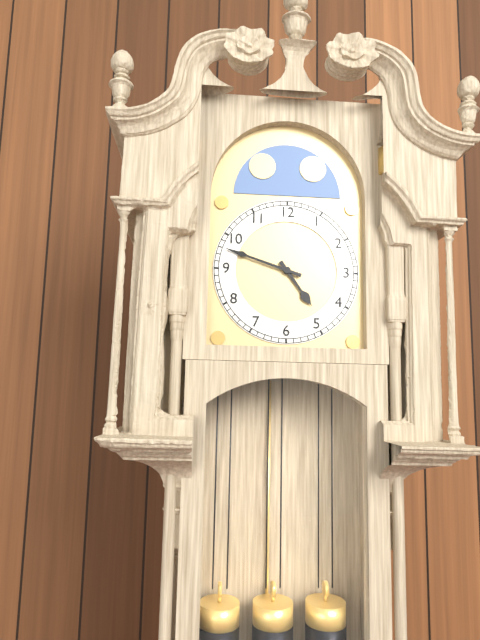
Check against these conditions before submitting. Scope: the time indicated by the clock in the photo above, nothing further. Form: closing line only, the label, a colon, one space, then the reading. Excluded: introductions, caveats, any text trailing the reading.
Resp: 4:48
